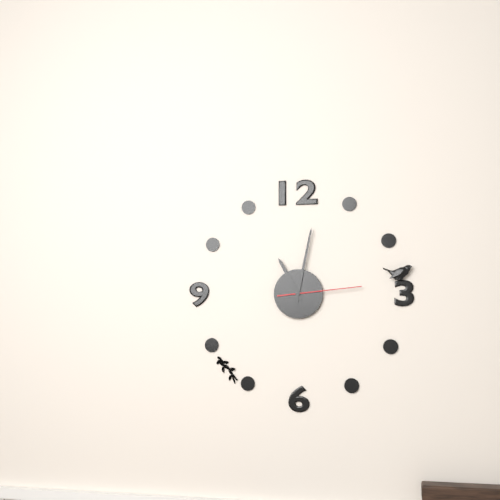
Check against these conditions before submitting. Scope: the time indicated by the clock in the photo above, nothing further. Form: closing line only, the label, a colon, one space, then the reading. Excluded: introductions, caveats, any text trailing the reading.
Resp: 11:02:14
